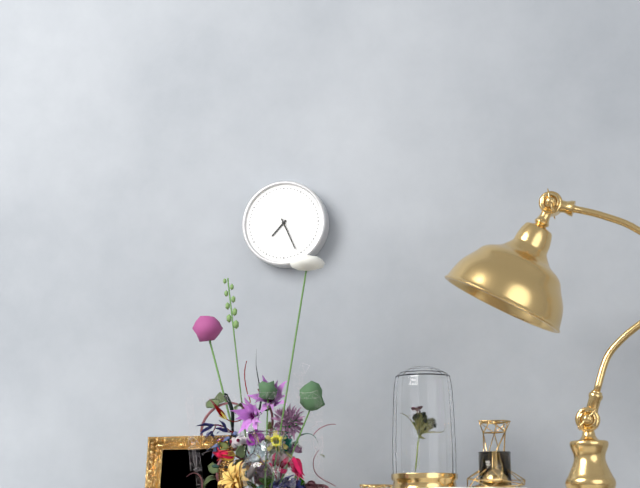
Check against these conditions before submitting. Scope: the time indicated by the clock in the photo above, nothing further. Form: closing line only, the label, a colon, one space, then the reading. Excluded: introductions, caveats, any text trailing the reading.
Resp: 7:26
